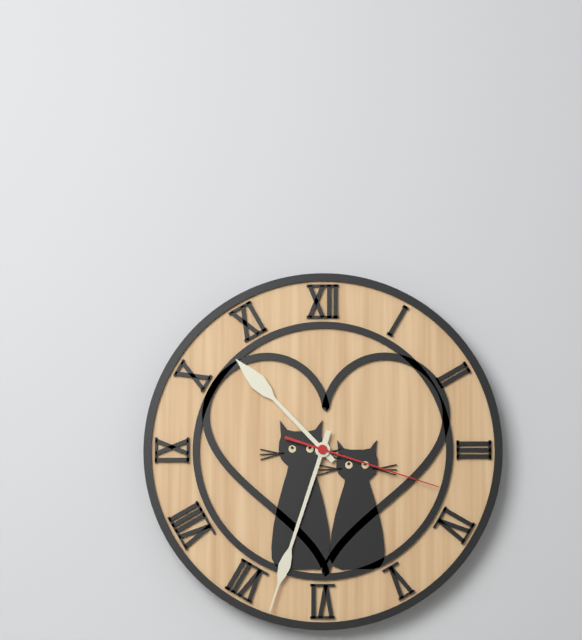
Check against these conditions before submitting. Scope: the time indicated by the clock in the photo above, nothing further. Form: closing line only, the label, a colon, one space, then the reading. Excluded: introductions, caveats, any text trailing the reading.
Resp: 10:33:18
